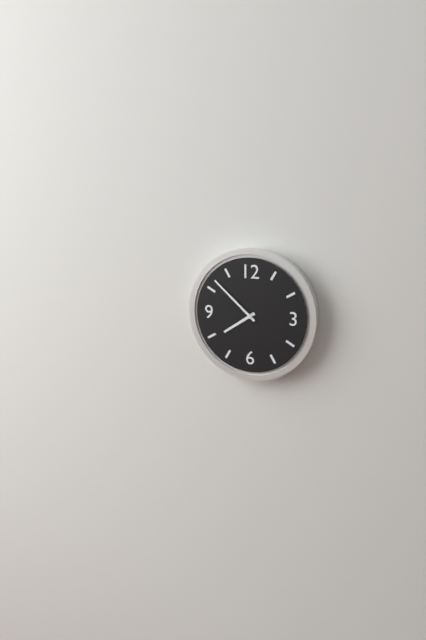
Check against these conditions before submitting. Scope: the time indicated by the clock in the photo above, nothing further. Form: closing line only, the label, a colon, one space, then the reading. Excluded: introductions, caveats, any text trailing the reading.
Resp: 7:52
